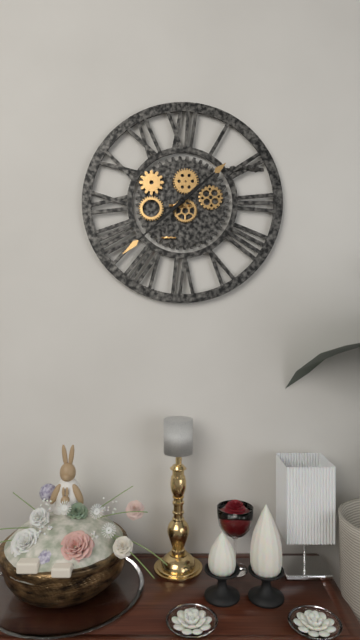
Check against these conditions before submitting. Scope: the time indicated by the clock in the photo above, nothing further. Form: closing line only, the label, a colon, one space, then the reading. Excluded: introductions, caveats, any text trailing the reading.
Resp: 1:38
